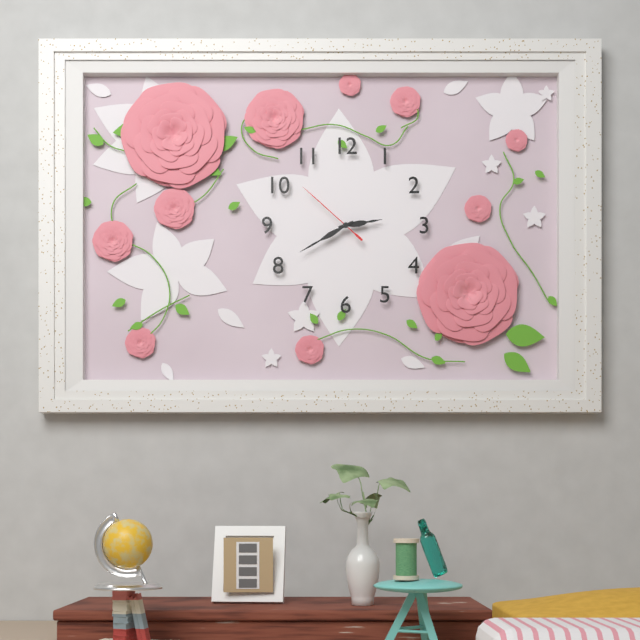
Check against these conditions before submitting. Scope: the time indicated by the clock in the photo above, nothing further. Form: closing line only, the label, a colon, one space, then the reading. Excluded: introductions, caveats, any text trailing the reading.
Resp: 2:40:52
